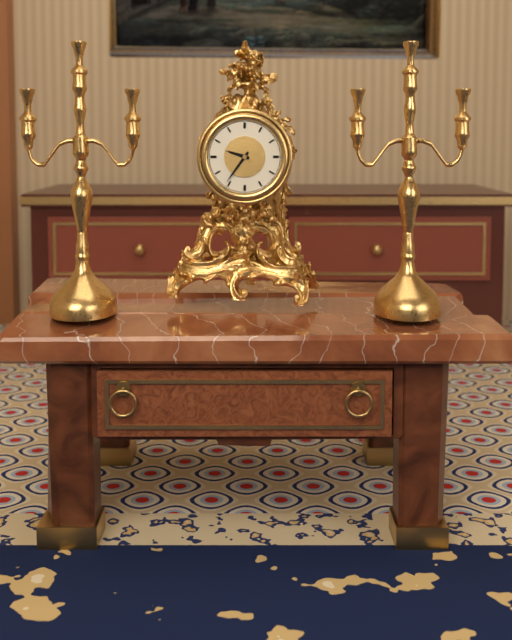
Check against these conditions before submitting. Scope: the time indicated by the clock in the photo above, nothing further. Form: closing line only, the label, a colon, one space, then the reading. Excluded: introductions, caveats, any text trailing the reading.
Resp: 9:36
